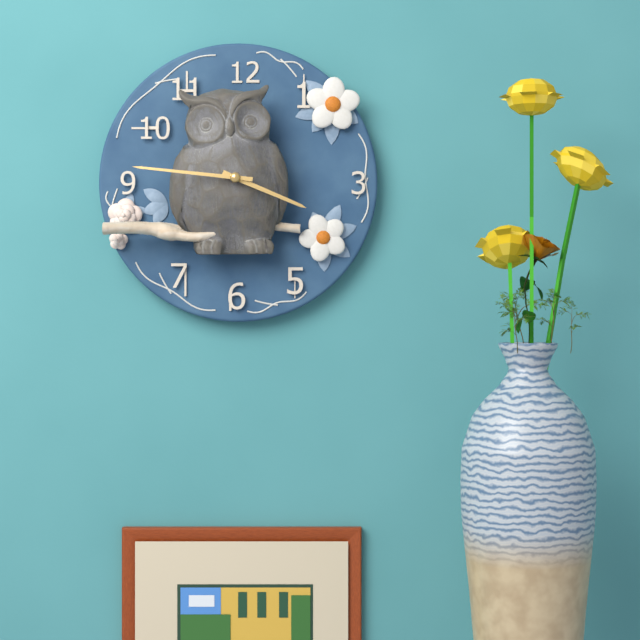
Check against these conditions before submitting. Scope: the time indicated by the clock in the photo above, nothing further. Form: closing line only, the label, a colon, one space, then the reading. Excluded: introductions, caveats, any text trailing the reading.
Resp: 3:46
